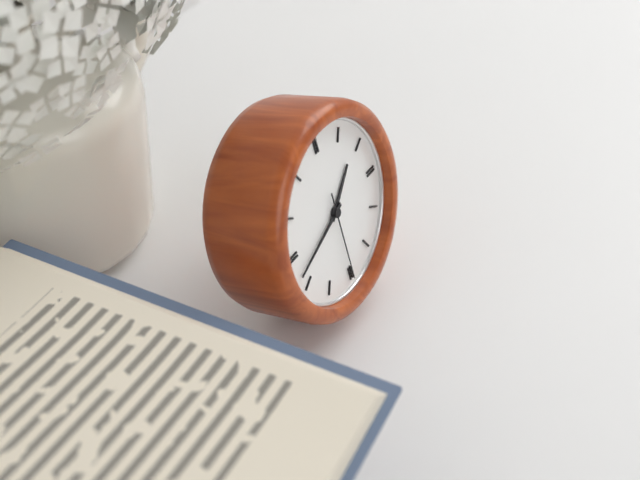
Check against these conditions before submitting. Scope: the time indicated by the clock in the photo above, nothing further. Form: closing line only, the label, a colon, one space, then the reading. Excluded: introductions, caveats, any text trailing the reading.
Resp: 1:42:30
